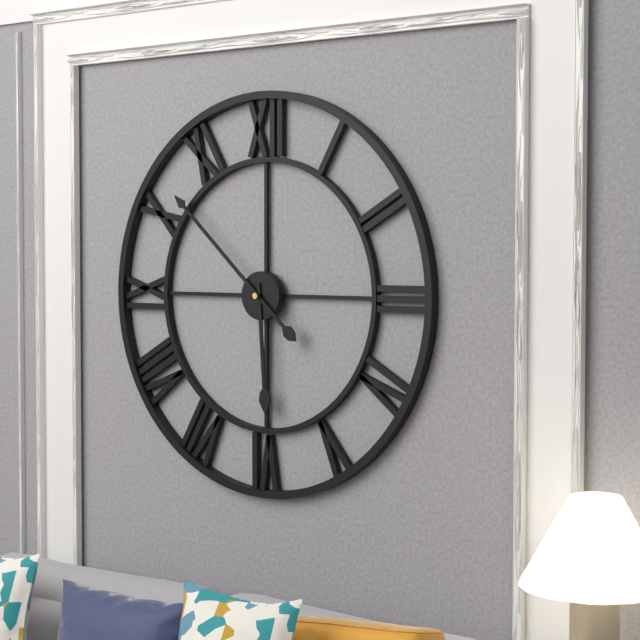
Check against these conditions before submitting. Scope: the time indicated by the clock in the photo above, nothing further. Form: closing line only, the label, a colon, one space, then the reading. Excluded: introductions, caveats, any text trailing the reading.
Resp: 5:52
